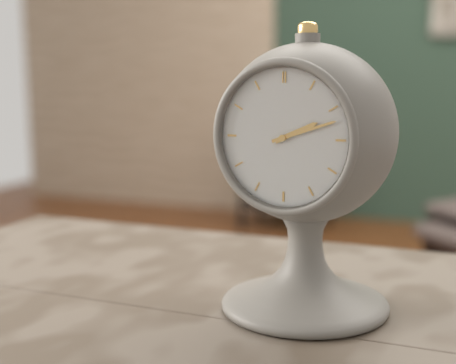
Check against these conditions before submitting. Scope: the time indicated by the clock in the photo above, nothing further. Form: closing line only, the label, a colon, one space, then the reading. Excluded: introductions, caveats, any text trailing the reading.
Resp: 2:12
